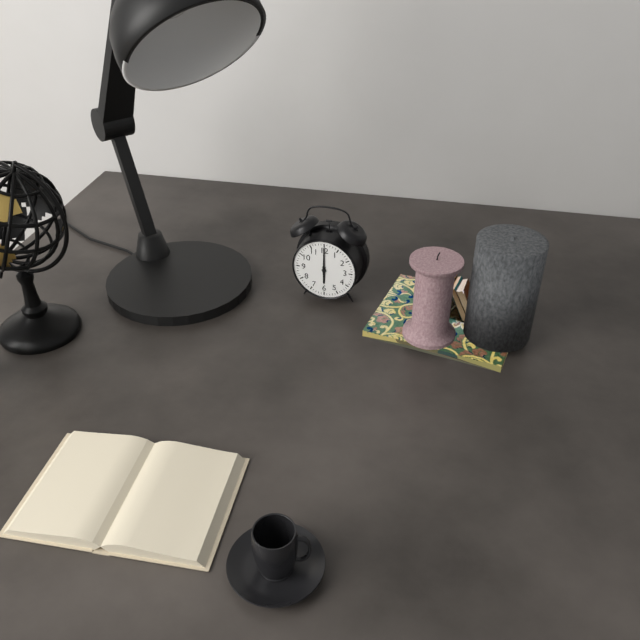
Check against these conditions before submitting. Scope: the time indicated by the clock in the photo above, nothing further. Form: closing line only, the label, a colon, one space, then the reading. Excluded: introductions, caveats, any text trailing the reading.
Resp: 6:00
